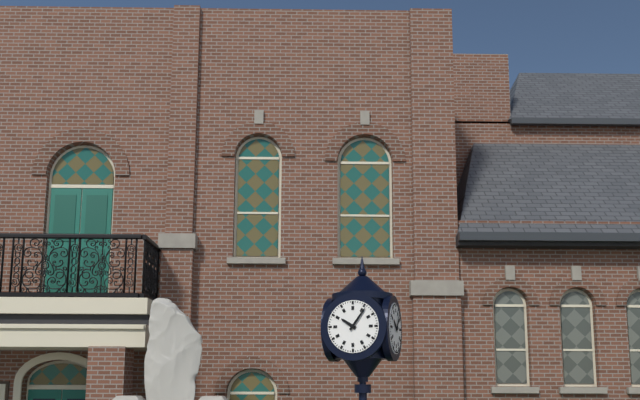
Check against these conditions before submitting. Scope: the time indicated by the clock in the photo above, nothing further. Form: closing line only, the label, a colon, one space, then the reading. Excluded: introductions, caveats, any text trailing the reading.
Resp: 10:06
